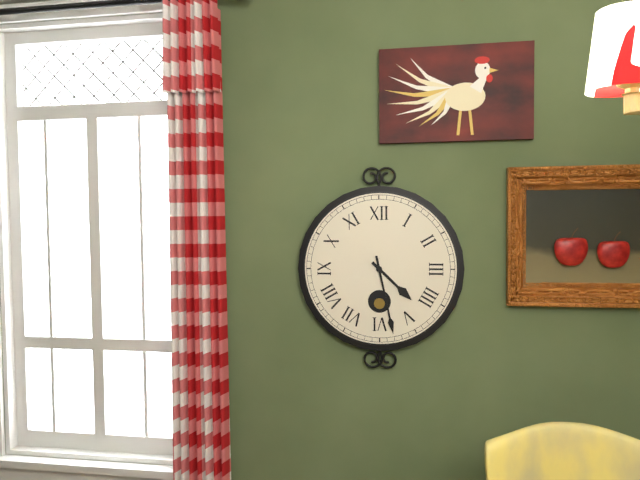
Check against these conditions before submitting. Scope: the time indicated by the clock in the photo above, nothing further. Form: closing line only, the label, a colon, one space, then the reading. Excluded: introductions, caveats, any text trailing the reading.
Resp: 4:28
